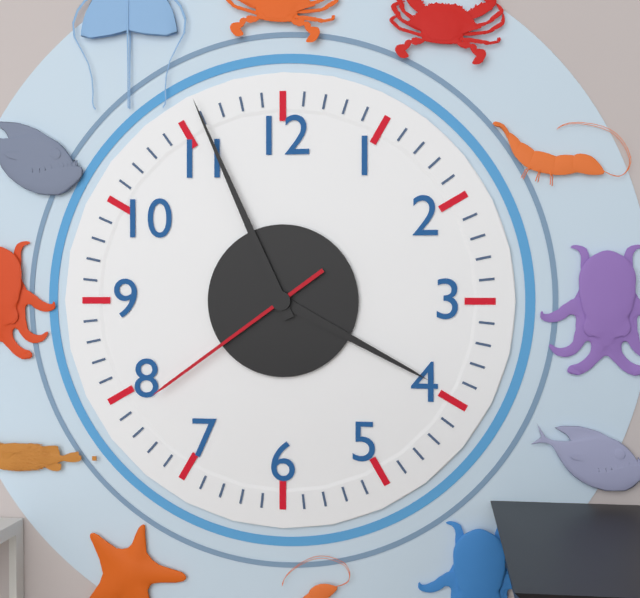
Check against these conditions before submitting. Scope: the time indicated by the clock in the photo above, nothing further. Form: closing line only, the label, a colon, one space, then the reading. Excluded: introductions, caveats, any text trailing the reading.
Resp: 3:56:39
